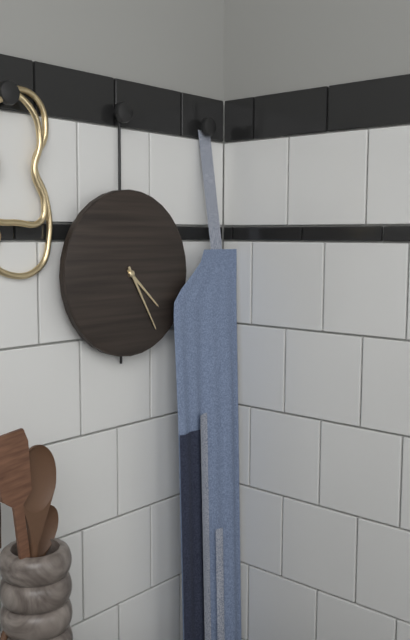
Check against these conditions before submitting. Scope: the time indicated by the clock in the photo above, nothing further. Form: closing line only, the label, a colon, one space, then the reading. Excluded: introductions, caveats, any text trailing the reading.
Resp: 4:25
